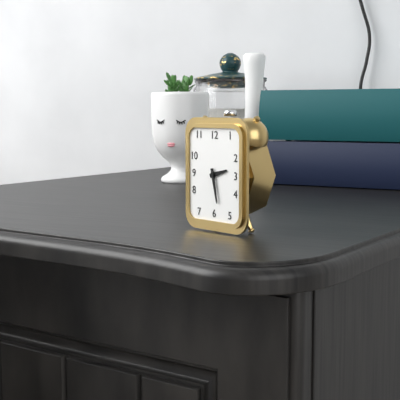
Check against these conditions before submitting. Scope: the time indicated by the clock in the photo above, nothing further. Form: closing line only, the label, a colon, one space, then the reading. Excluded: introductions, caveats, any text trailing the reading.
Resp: 2:28
